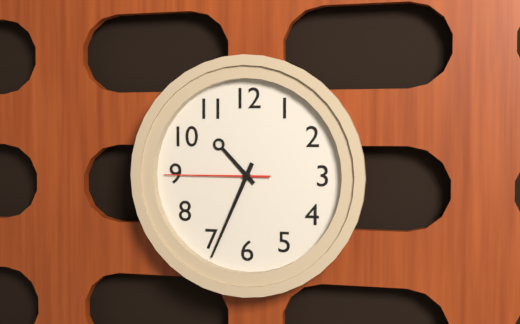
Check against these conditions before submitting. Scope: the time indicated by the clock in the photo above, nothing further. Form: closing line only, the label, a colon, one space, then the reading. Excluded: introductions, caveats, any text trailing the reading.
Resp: 10:34:45
